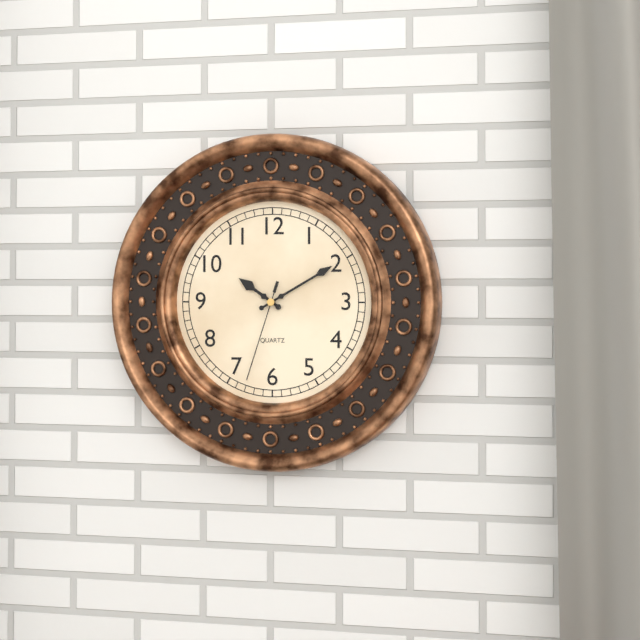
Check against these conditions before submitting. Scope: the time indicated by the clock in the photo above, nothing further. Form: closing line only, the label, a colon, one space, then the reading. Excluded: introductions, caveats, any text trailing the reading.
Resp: 10:10:33
